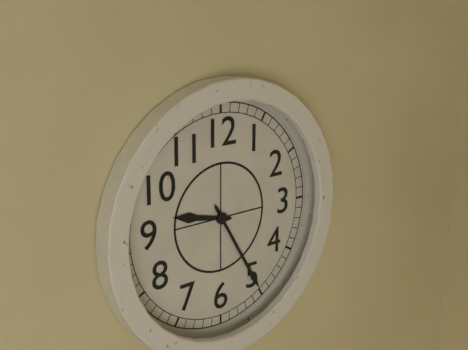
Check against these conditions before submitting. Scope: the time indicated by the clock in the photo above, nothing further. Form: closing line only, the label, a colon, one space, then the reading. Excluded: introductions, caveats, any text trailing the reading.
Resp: 9:25
